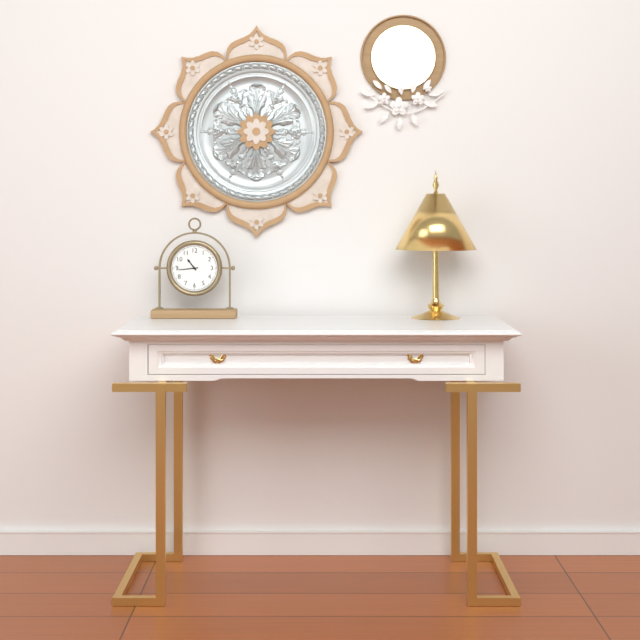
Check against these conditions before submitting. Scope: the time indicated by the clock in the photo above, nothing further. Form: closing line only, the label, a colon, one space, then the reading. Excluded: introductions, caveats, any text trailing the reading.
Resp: 10:44
